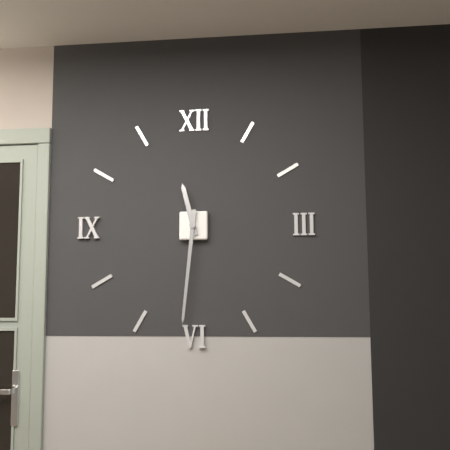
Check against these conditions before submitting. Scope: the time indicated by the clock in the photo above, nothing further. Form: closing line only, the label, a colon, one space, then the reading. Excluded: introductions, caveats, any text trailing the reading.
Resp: 11:31
